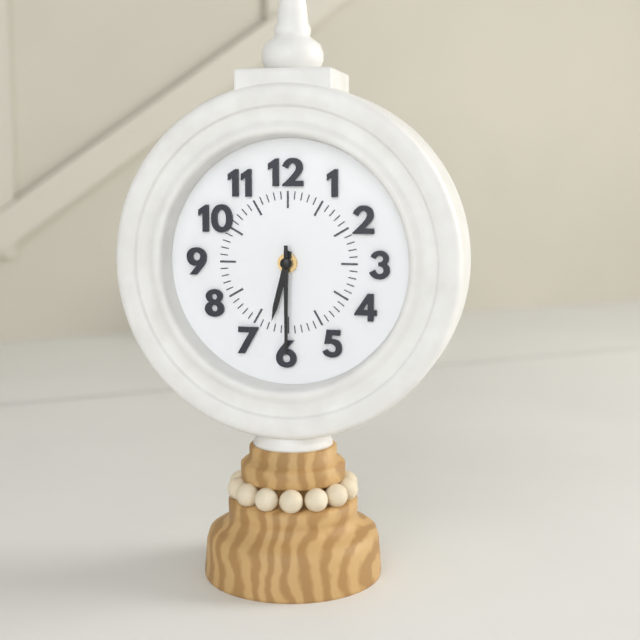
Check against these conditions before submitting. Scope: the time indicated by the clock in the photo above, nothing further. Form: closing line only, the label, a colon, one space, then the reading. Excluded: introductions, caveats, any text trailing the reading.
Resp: 6:30
